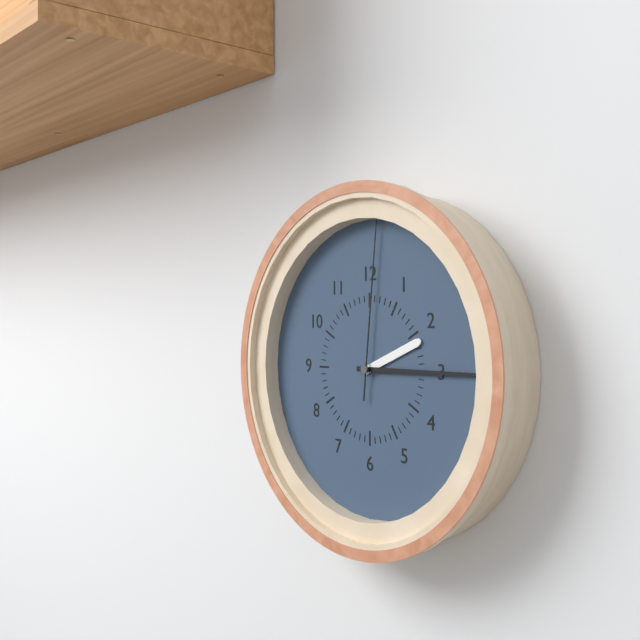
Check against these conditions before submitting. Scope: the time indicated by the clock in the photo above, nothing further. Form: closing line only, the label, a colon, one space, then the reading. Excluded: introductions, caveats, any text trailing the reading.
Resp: 2:15:01
